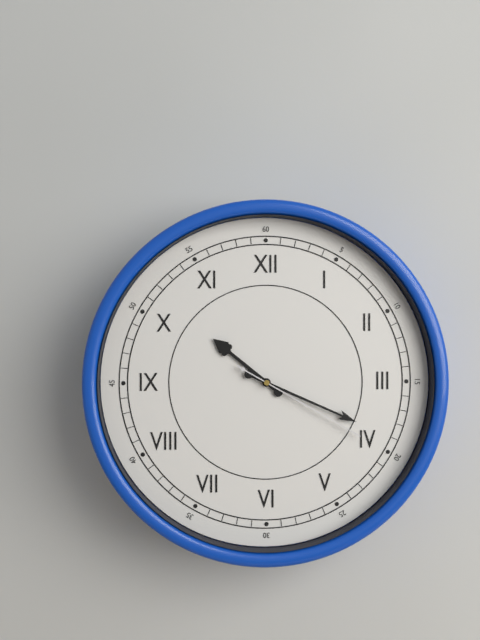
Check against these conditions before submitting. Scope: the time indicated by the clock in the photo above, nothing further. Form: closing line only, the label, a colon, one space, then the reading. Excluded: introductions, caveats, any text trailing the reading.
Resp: 10:19:20
